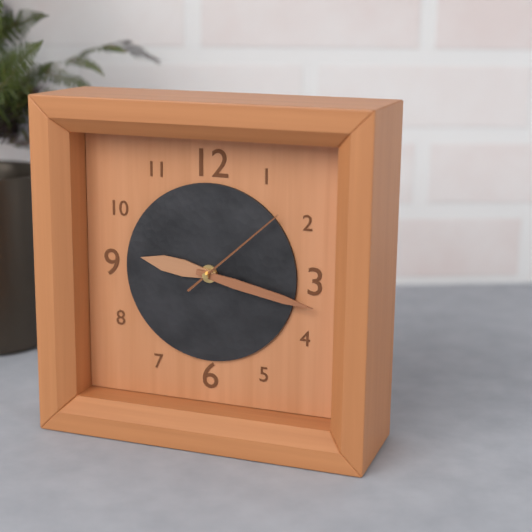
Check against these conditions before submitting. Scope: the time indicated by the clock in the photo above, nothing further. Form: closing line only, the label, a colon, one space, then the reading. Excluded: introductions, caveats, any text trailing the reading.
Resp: 9:17:08
